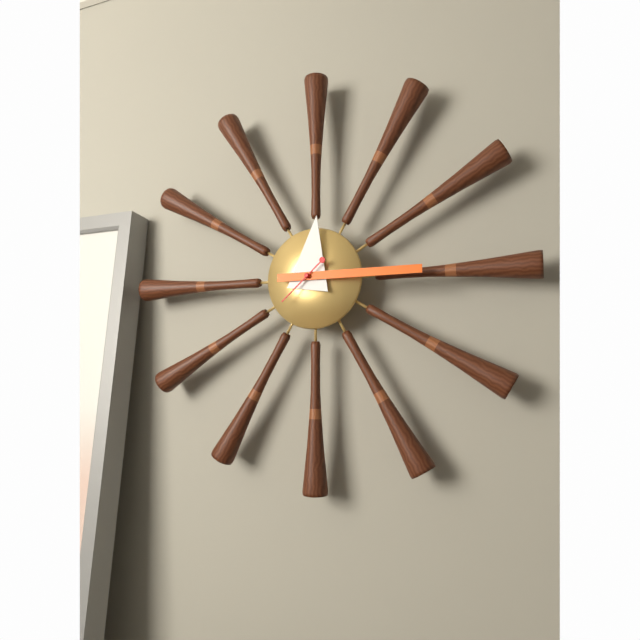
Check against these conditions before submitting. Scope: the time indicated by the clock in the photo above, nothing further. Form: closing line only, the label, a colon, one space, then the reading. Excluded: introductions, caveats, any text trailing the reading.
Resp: 12:15:38
